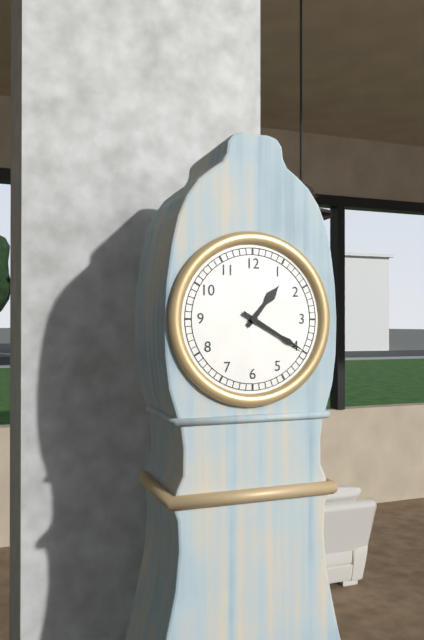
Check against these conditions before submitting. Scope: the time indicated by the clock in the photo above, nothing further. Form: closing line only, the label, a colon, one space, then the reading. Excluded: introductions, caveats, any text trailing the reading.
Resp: 1:20
